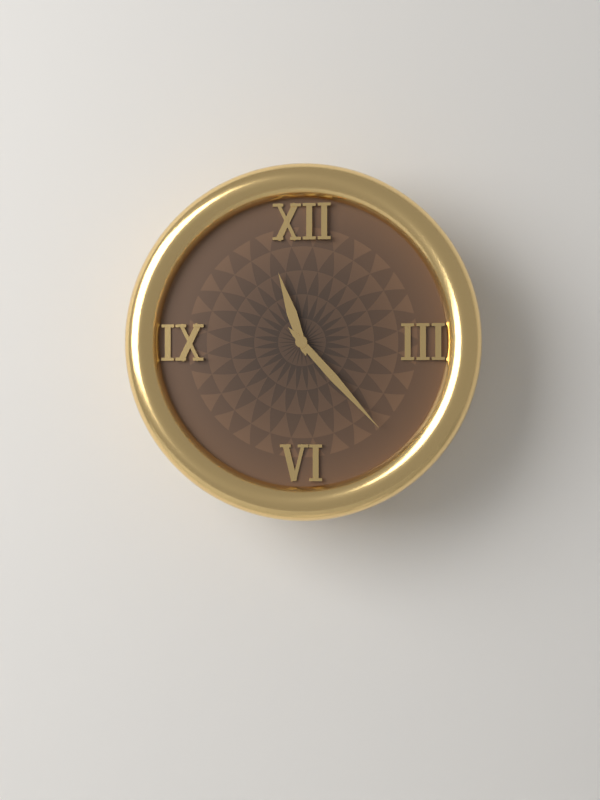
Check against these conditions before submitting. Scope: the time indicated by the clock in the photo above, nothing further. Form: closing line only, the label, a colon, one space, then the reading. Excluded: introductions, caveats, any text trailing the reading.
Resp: 11:23
